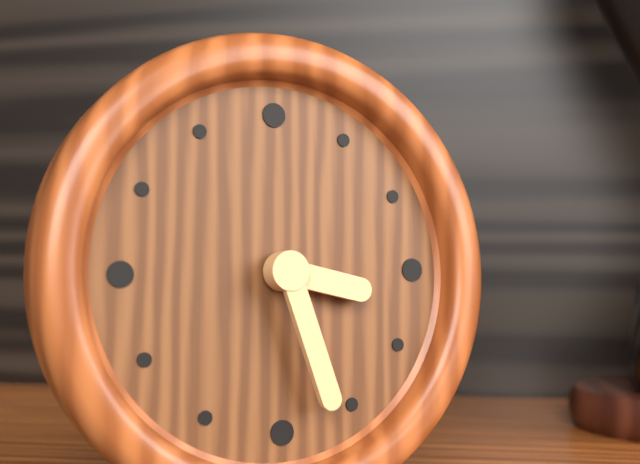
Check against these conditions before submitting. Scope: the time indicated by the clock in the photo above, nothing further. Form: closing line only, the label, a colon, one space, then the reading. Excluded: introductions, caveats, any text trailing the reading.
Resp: 3:27
